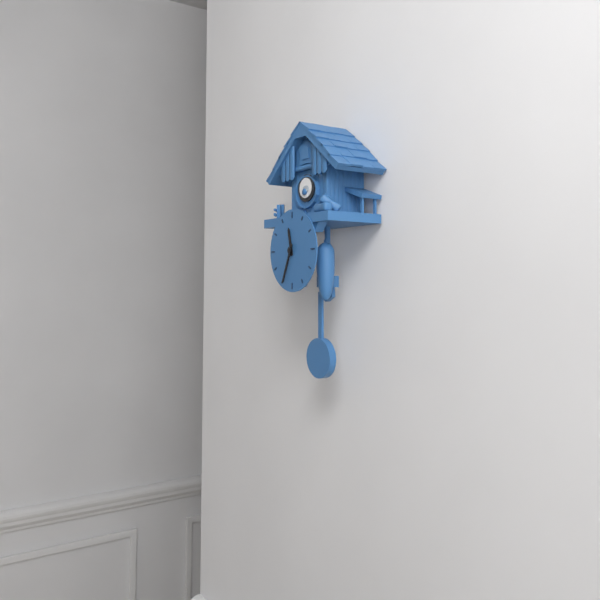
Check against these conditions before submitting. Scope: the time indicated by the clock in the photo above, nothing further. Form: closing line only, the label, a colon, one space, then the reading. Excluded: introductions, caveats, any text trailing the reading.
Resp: 11:34
